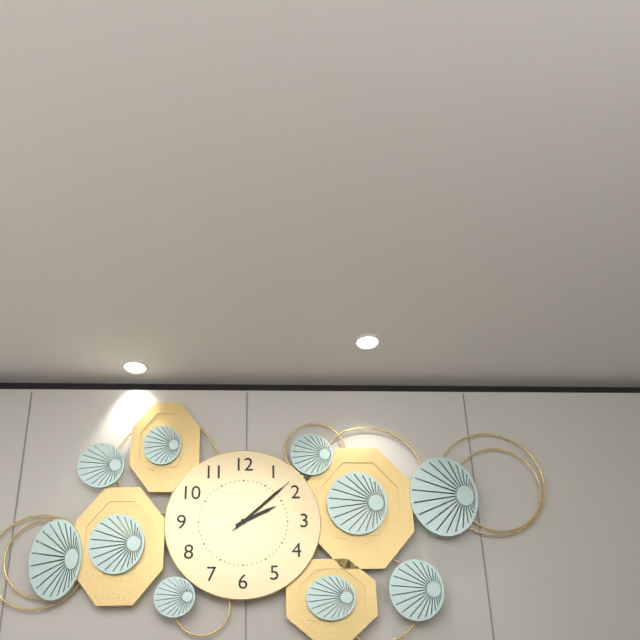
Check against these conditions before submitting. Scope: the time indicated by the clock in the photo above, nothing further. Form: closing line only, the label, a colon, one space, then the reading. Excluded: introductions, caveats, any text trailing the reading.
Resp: 2:08:08
